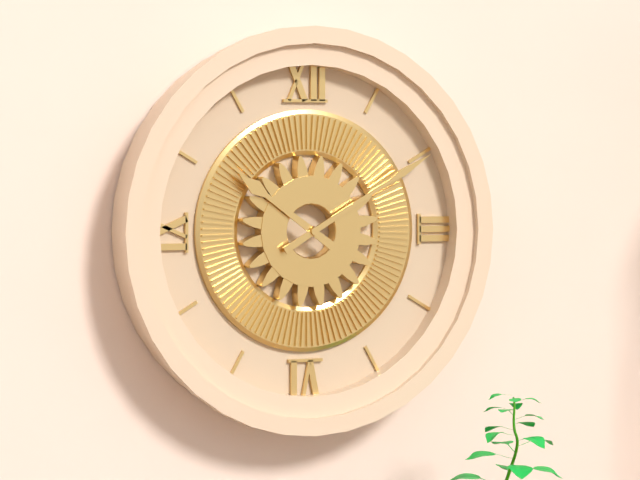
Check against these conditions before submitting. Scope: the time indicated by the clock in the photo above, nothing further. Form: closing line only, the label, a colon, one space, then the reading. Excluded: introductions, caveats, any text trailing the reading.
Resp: 10:10
